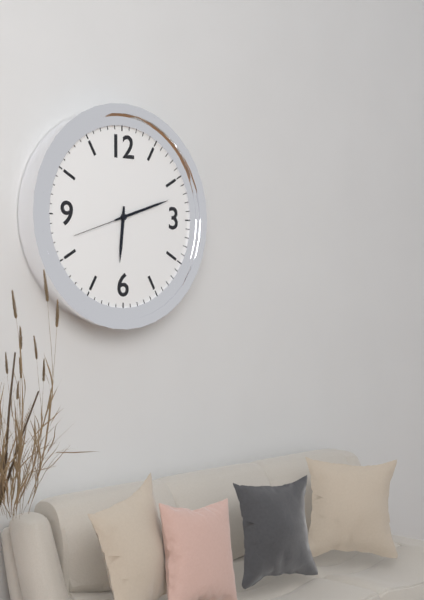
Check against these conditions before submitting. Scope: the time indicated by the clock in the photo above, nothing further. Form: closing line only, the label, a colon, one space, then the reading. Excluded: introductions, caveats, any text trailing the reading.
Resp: 6:12:42
